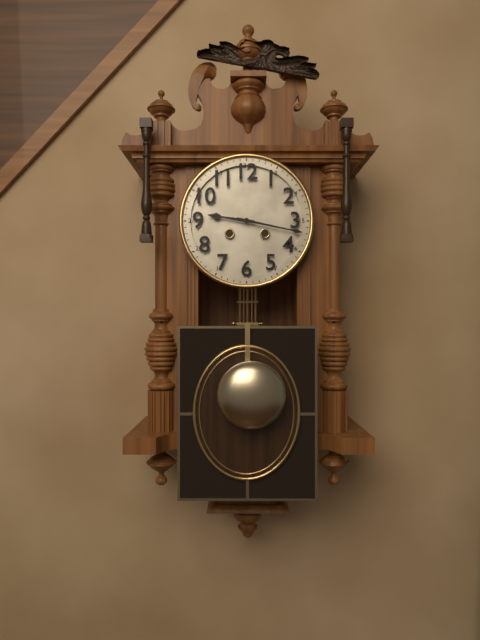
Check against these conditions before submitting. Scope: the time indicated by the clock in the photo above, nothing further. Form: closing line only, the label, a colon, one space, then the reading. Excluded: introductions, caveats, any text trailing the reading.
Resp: 9:17
